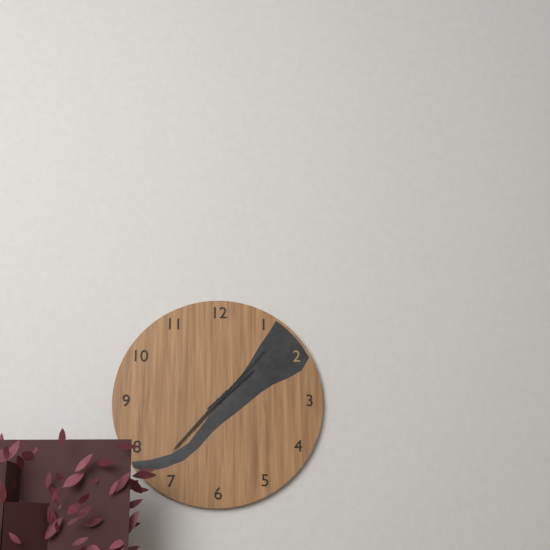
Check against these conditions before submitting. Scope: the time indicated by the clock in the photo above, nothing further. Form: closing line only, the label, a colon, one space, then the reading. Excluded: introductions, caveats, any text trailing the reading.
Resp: 1:37:07
